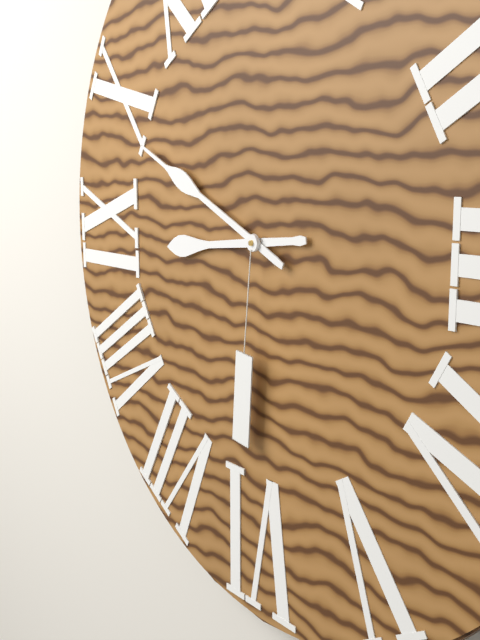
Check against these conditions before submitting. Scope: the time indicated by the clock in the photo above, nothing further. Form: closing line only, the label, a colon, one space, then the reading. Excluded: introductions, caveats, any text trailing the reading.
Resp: 8:49
